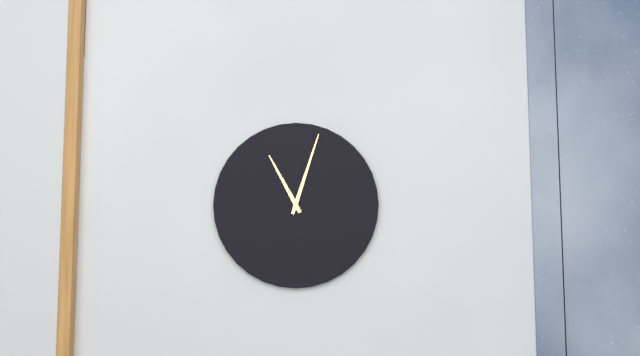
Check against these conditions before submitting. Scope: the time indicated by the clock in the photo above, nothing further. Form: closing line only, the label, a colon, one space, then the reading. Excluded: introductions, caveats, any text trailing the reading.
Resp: 11:03
